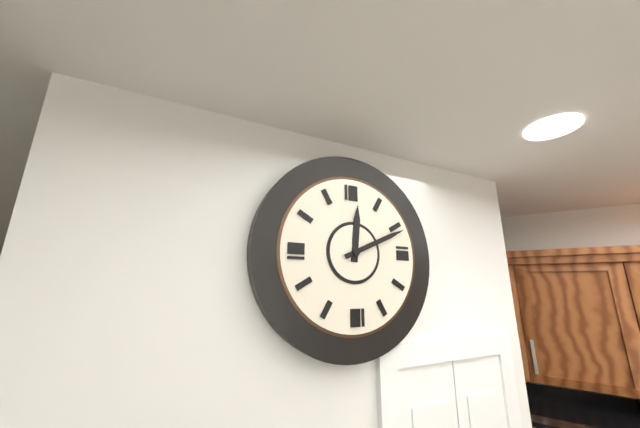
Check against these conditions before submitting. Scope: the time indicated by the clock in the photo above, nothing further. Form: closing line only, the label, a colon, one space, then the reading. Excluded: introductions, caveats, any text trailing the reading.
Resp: 12:11
